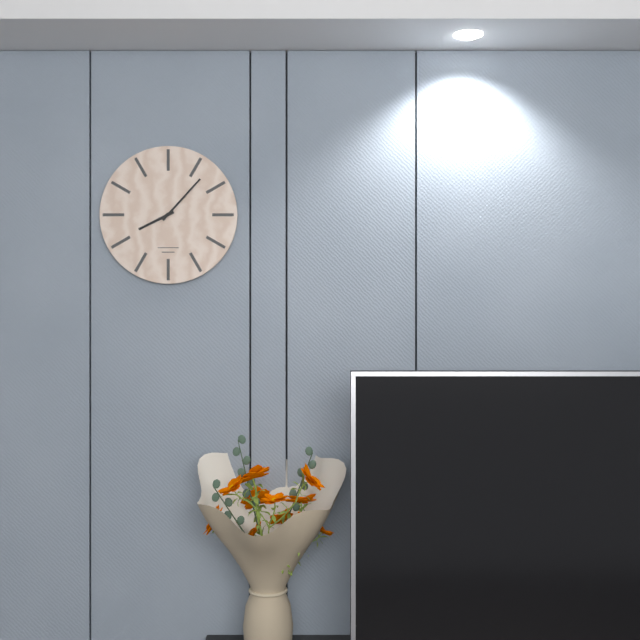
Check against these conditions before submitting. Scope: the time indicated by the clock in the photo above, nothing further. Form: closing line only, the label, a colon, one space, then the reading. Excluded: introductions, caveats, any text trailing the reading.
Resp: 8:07
